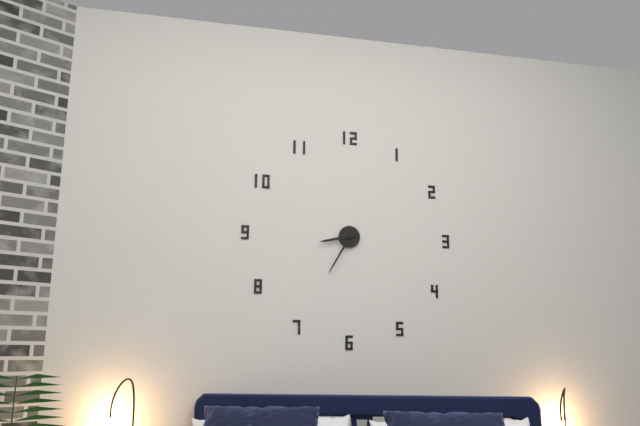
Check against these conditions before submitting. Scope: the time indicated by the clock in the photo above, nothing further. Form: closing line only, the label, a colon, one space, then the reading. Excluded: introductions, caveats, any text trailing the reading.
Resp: 8:35
